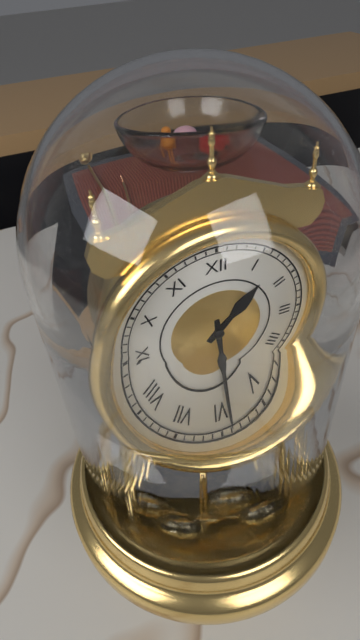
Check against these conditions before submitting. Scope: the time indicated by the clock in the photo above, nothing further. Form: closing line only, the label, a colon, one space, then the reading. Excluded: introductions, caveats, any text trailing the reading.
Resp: 1:29
